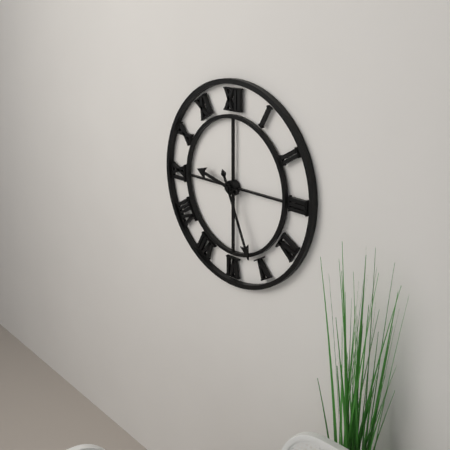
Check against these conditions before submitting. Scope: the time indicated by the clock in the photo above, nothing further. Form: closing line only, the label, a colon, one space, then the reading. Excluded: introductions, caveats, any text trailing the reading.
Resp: 9:26
